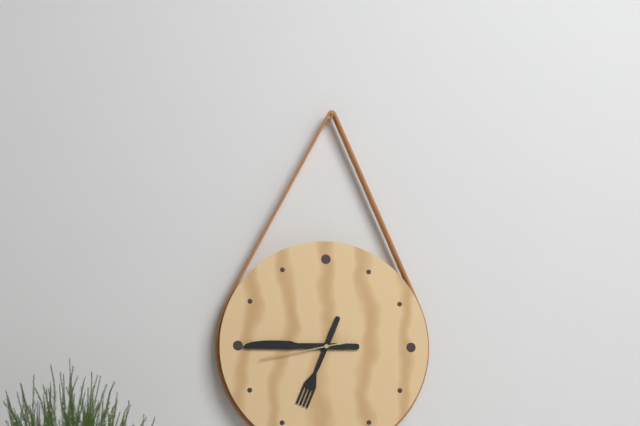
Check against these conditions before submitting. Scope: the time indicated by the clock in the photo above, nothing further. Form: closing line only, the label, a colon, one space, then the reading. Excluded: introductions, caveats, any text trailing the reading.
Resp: 6:45:43
